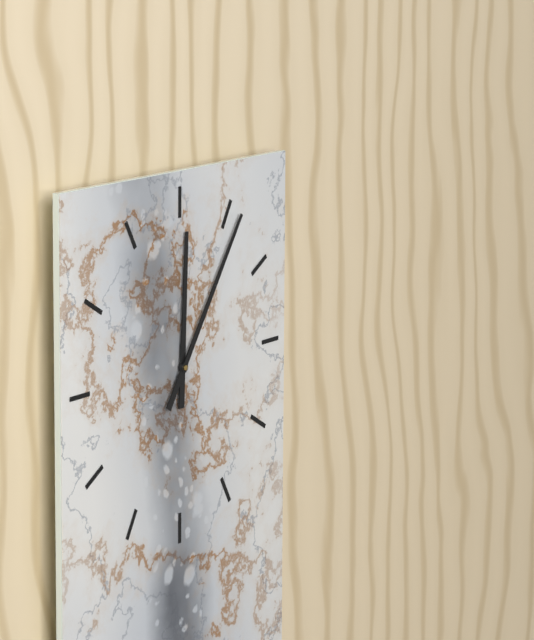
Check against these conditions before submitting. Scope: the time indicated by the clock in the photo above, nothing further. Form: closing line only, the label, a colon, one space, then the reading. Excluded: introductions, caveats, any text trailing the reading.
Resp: 12:06
